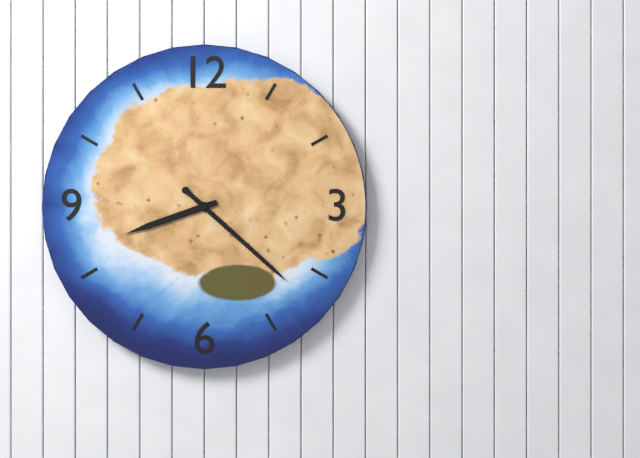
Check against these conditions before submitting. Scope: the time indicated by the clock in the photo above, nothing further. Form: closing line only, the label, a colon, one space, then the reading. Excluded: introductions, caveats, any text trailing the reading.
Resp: 8:22
